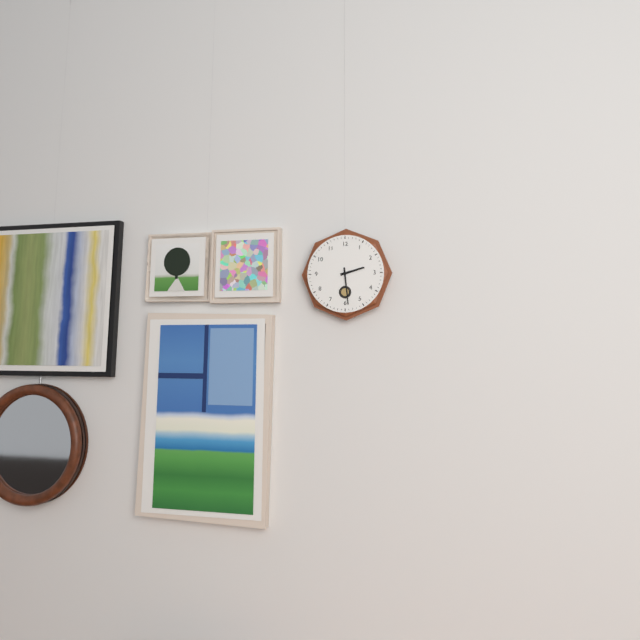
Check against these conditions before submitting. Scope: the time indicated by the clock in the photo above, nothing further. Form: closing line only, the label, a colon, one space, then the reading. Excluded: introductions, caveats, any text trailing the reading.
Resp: 2:29
